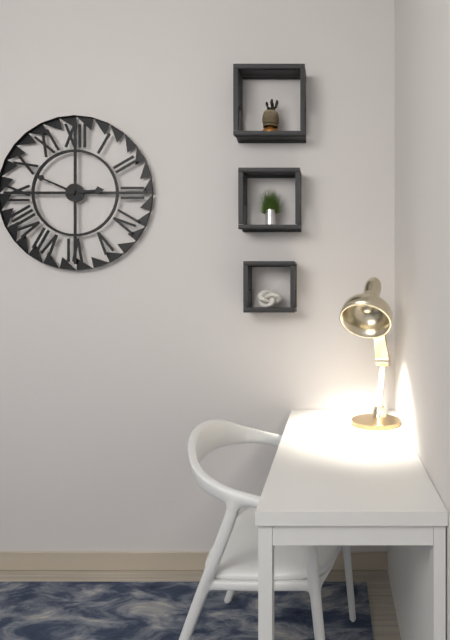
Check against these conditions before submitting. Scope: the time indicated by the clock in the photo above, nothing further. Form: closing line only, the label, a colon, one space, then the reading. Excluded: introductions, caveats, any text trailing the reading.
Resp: 2:49
